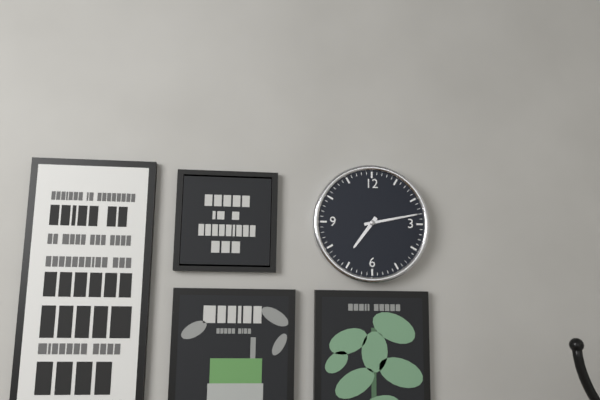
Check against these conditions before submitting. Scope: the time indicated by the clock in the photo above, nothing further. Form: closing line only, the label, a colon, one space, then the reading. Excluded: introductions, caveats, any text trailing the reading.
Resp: 7:13
